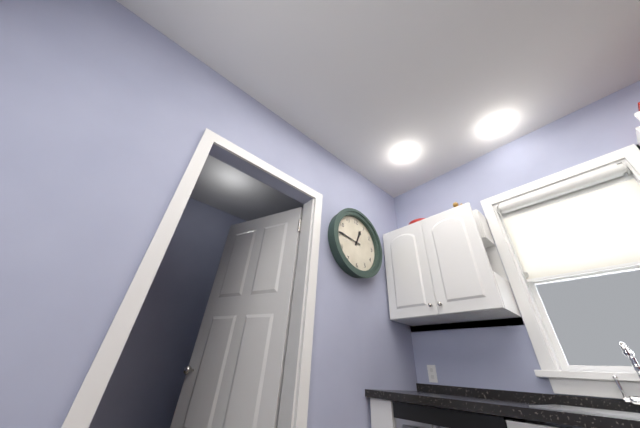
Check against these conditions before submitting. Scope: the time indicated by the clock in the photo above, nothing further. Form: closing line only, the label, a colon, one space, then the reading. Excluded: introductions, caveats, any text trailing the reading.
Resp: 12:46
